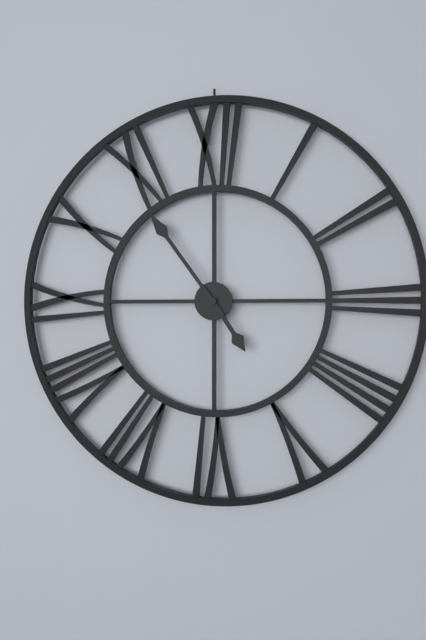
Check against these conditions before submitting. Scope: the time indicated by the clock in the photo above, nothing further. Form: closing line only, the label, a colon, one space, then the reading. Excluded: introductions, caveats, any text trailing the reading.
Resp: 4:54
